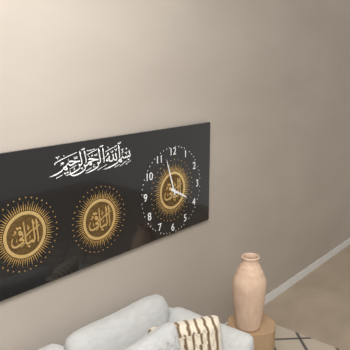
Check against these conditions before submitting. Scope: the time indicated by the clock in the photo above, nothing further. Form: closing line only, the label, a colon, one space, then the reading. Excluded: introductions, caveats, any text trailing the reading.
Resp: 3:57
